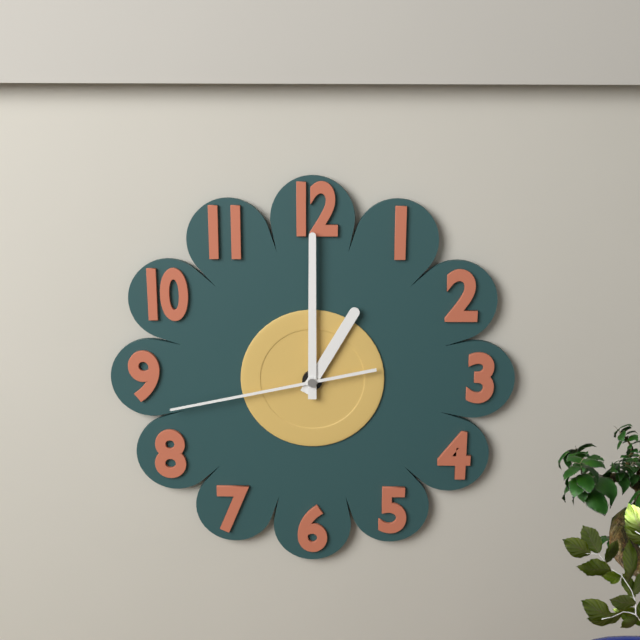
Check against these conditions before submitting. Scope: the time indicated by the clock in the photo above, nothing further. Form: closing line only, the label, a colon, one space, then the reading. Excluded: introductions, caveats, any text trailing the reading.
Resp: 1:00:43
